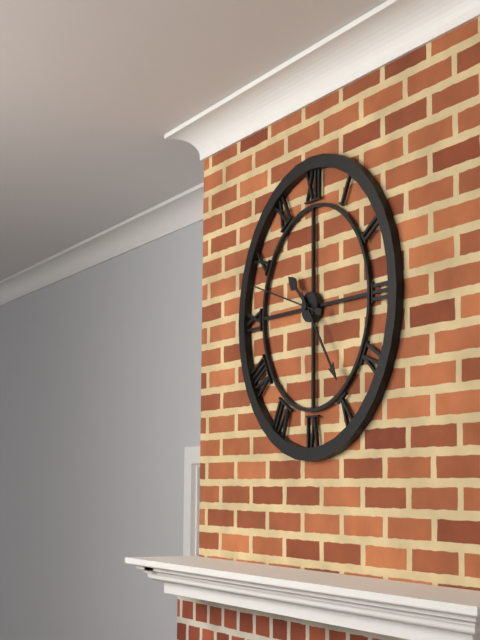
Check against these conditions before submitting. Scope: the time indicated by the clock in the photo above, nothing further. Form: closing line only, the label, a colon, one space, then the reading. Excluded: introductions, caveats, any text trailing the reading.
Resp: 10:24:48
